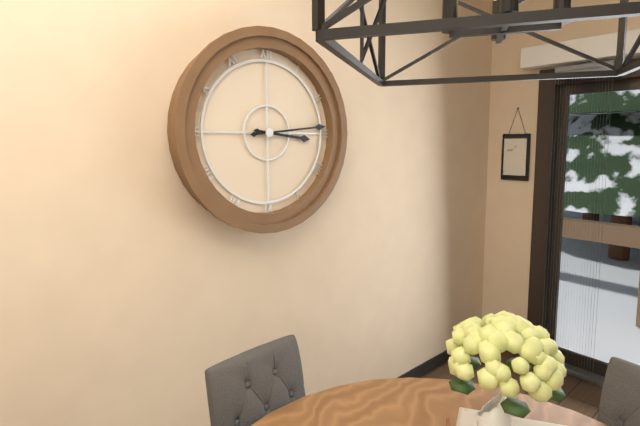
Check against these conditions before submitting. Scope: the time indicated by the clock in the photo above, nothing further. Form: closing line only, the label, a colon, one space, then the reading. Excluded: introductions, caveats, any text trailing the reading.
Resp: 3:14
